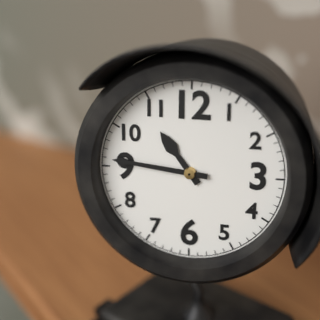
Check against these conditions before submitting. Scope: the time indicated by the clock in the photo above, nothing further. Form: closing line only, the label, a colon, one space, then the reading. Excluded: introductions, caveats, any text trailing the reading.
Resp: 10:46
